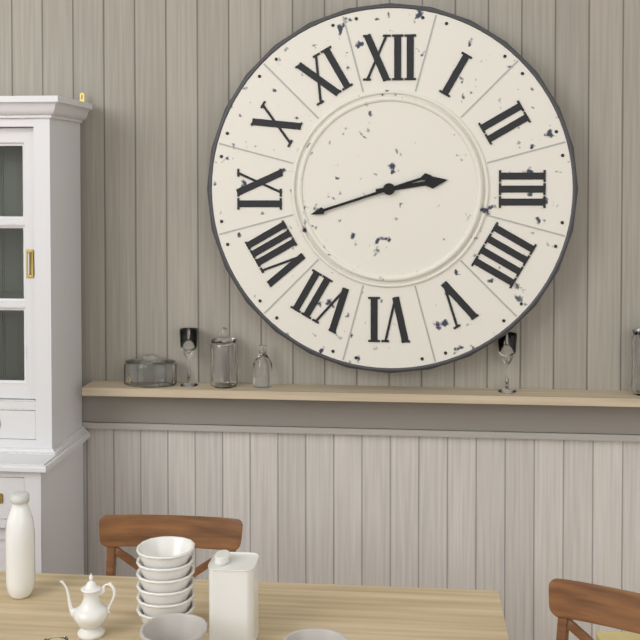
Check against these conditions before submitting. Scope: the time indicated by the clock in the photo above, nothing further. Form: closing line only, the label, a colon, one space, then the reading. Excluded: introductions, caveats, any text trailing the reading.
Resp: 2:42
